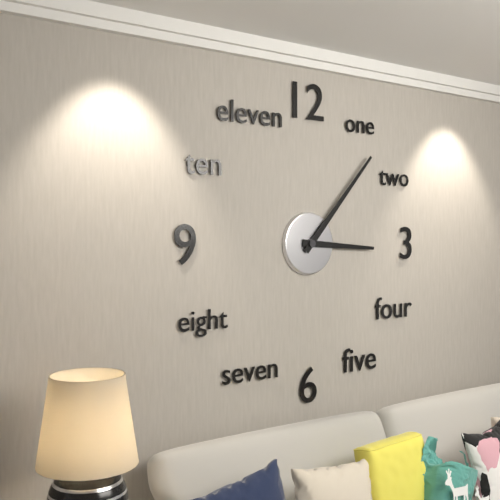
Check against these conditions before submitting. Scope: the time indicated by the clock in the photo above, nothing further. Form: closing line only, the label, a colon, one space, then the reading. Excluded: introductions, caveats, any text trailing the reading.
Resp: 3:07
